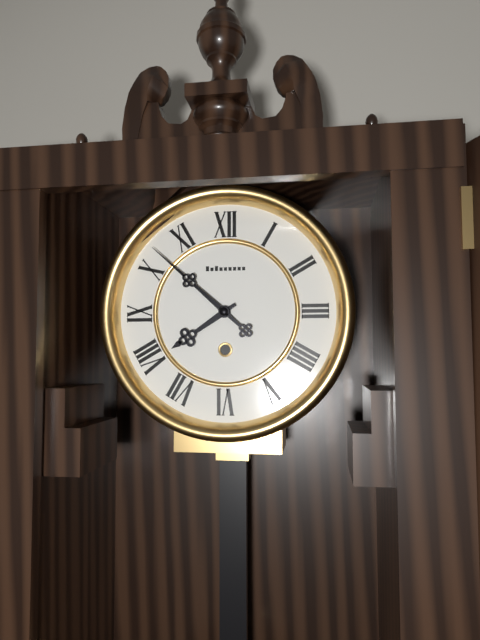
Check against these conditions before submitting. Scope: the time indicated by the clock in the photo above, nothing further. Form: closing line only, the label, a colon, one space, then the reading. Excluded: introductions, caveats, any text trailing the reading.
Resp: 7:52
